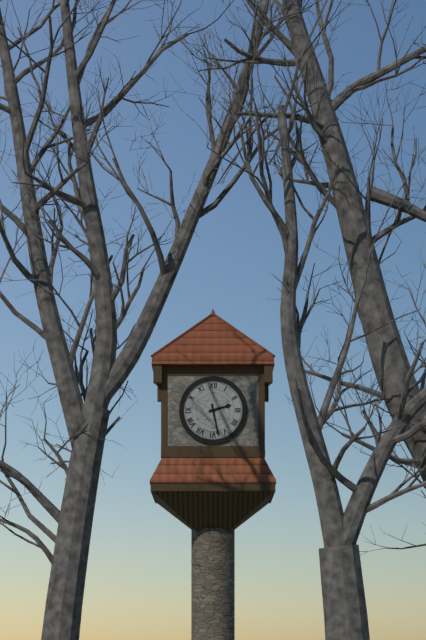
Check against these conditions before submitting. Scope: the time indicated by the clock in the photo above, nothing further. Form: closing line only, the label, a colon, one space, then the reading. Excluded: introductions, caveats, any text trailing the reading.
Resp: 2:28
